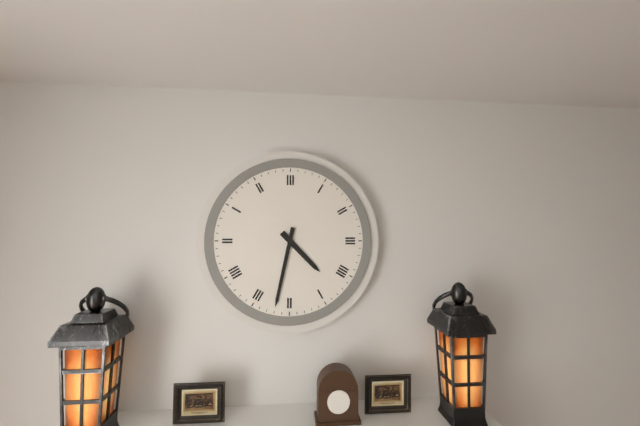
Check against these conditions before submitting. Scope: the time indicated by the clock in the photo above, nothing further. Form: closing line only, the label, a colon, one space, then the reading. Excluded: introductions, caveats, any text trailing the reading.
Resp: 4:32
